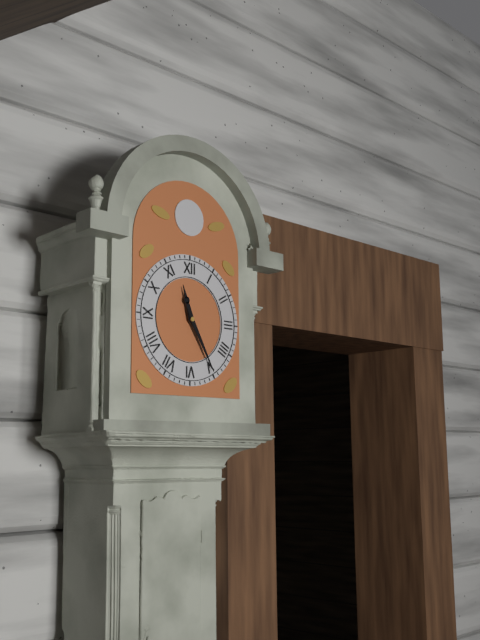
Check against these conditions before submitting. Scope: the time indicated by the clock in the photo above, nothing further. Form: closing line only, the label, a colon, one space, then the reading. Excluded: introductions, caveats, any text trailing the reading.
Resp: 11:25
